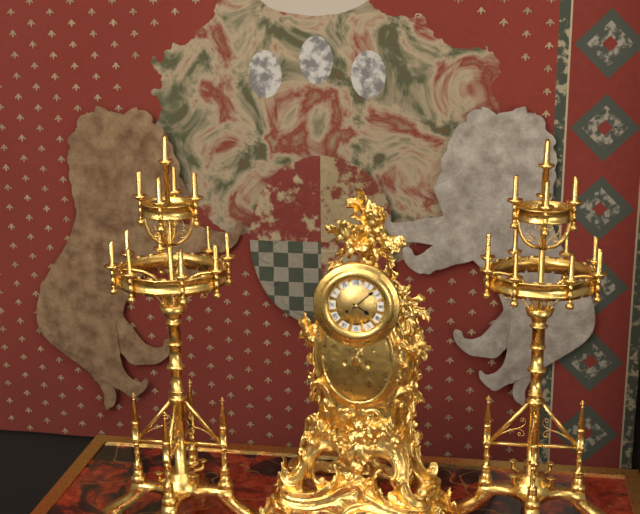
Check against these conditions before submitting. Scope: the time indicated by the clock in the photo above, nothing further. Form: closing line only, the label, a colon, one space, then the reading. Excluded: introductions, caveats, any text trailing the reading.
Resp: 4:08
